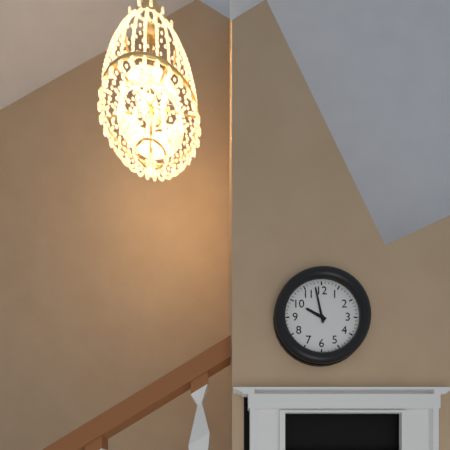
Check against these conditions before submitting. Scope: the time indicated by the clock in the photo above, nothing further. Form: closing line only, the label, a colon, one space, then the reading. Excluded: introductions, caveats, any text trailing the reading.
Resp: 9:58
